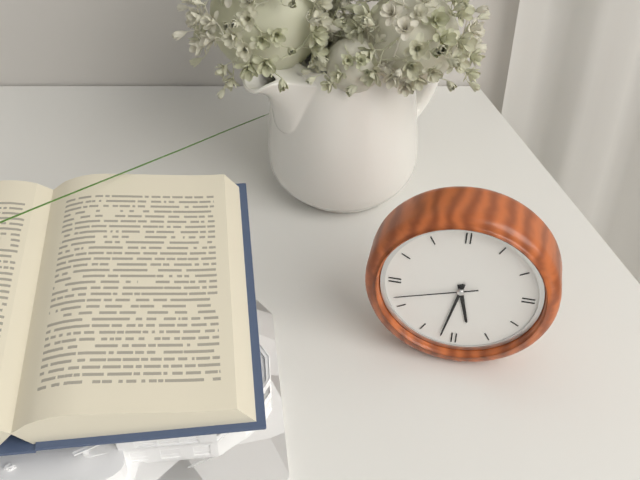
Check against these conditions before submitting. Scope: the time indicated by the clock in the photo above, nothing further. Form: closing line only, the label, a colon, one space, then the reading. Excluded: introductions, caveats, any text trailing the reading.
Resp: 5:32:42
